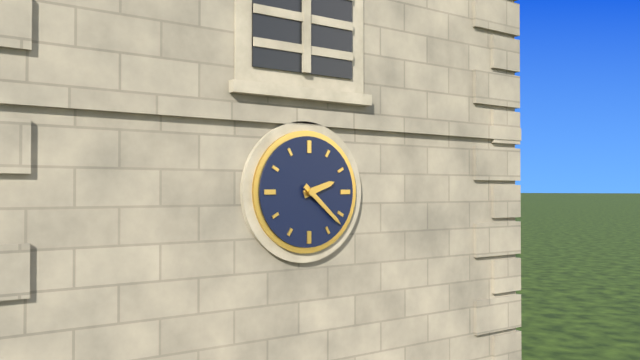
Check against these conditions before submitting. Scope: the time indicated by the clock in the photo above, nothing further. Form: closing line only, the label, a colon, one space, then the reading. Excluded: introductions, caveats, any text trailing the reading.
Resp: 2:22
